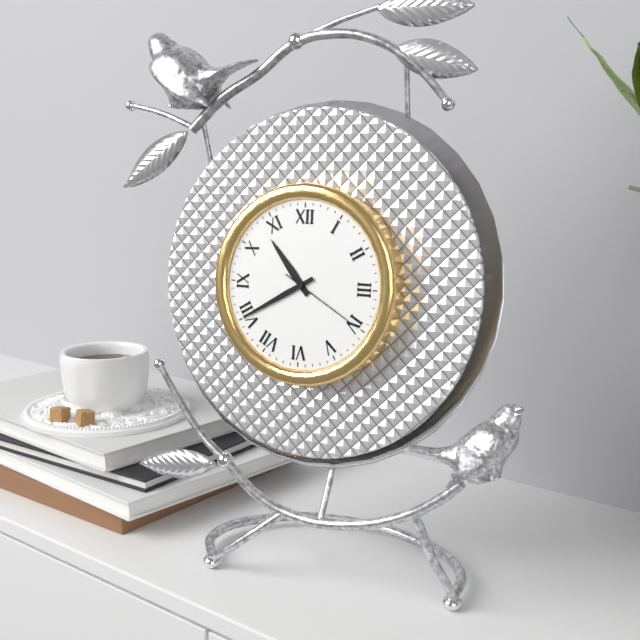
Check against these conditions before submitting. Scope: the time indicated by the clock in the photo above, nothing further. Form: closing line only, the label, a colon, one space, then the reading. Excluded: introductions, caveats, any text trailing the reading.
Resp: 10:40:20
